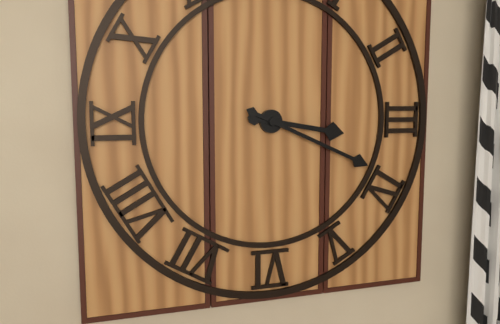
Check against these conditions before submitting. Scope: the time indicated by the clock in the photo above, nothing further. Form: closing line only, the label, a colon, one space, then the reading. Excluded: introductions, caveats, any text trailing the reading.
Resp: 3:19
